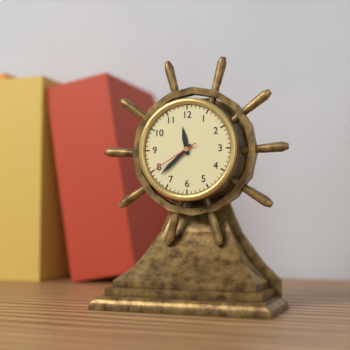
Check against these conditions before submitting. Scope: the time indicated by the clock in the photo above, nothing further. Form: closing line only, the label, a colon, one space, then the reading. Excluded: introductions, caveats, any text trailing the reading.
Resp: 11:38
